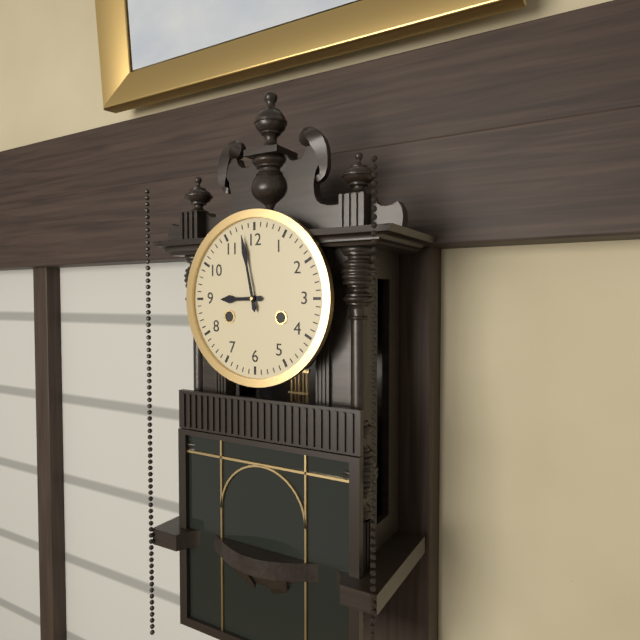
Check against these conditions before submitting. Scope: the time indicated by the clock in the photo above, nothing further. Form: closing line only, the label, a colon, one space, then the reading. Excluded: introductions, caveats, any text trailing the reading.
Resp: 8:58
